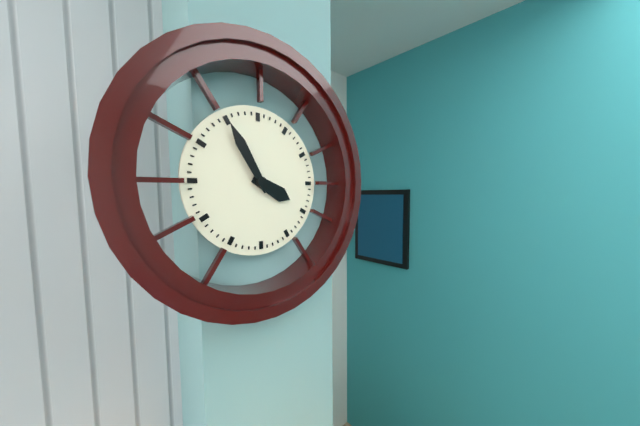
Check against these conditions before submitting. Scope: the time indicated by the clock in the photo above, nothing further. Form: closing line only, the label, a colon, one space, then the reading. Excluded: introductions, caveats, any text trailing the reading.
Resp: 3:55
